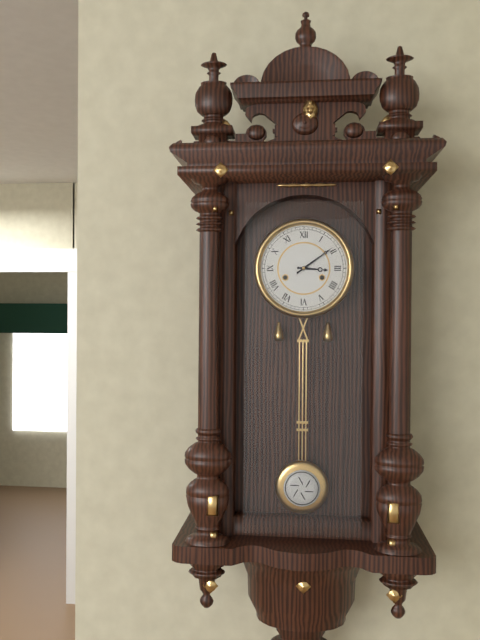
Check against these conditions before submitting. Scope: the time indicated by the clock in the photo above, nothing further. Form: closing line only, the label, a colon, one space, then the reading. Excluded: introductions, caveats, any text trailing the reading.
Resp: 3:09
